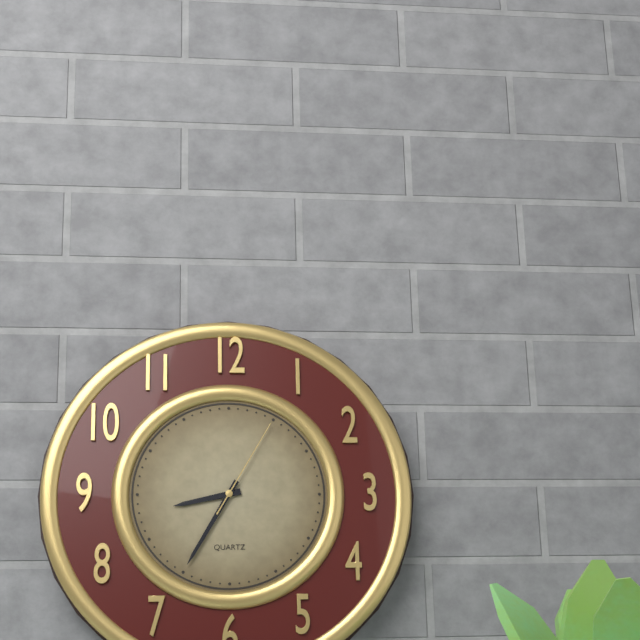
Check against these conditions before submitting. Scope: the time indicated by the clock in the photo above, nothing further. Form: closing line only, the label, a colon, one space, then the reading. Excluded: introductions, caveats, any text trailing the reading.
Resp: 8:35:05
